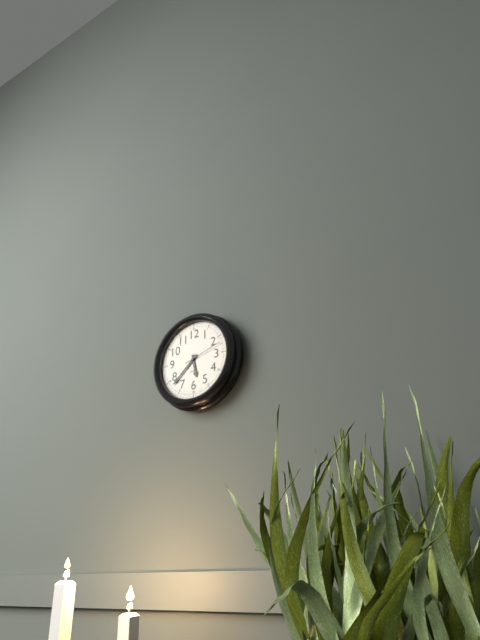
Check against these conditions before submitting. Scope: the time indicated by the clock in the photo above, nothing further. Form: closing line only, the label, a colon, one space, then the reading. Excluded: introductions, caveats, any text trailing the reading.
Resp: 5:38
